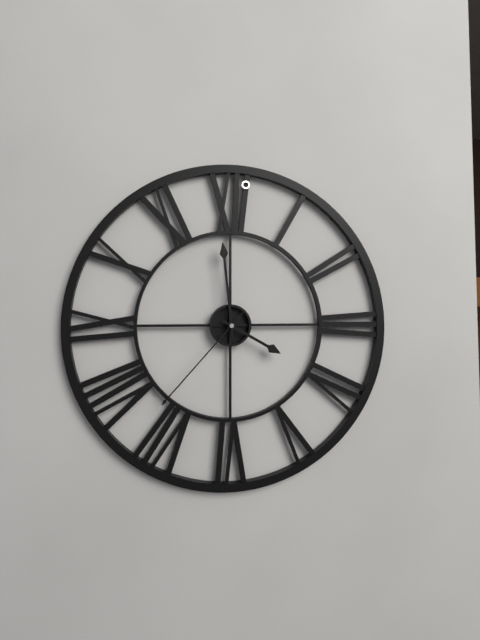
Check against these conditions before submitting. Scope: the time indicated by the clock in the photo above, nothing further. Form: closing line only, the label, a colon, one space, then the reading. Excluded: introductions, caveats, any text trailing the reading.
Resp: 3:59:37
